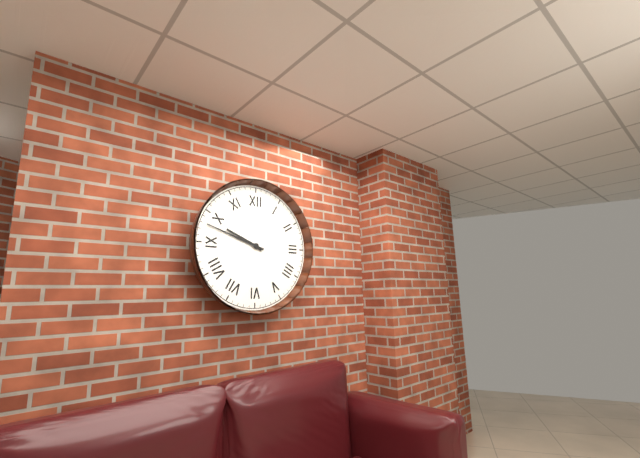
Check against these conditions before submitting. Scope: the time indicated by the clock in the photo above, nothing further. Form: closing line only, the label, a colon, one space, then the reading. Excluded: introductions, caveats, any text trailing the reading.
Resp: 9:48
